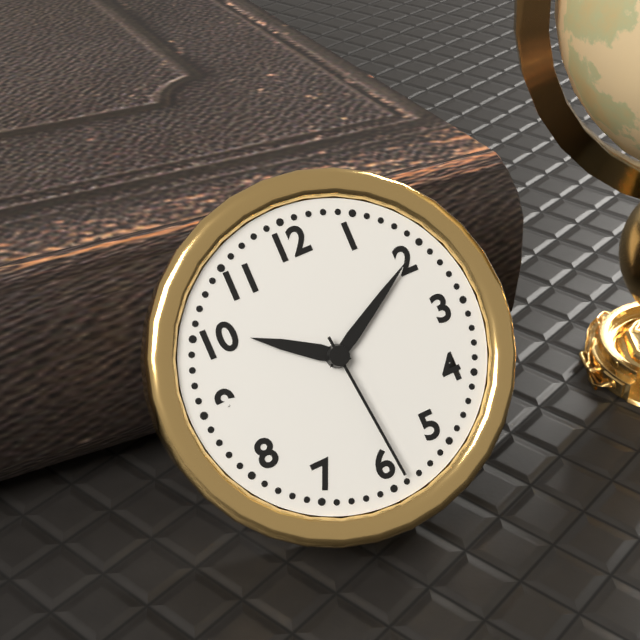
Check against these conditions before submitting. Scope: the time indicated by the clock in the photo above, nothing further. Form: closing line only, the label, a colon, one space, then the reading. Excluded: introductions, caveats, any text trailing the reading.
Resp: 10:10:29
